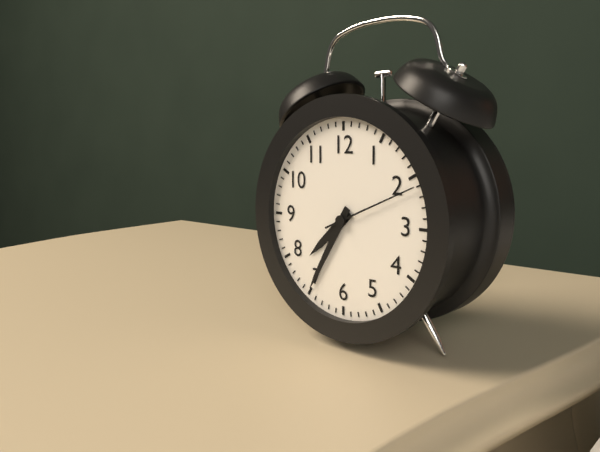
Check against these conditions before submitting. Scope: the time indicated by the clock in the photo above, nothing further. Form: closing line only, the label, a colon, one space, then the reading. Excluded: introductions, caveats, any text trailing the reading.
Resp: 7:35:11
